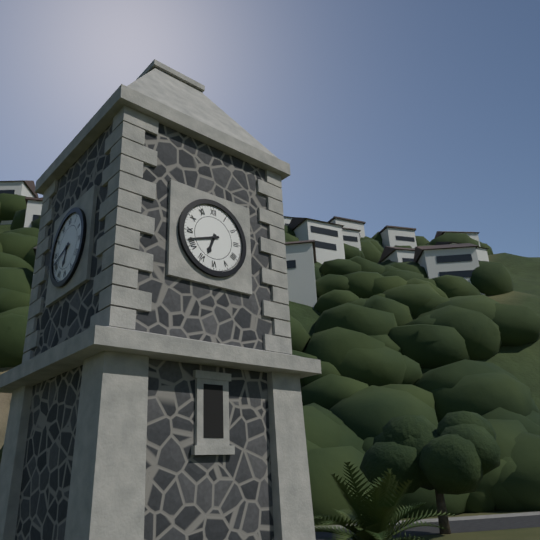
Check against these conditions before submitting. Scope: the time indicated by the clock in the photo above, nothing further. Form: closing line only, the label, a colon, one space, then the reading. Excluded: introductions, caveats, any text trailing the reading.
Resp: 6:42
